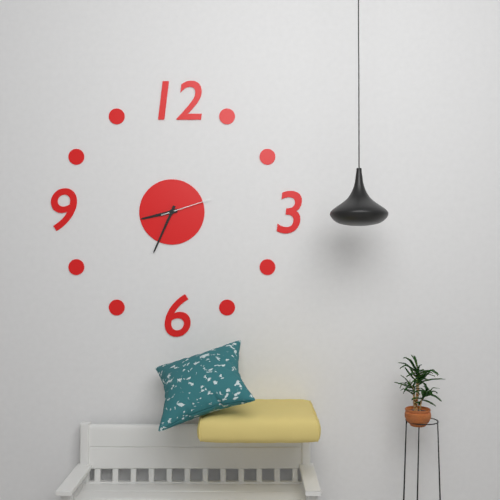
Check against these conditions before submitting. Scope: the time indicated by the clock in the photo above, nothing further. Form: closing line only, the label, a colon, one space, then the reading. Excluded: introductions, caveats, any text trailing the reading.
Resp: 8:34:12
